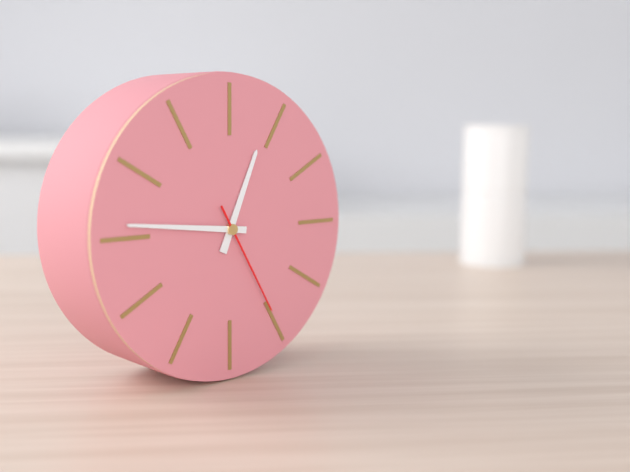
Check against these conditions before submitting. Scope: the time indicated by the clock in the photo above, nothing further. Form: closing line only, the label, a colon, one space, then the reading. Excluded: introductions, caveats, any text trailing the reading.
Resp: 12:46:25
